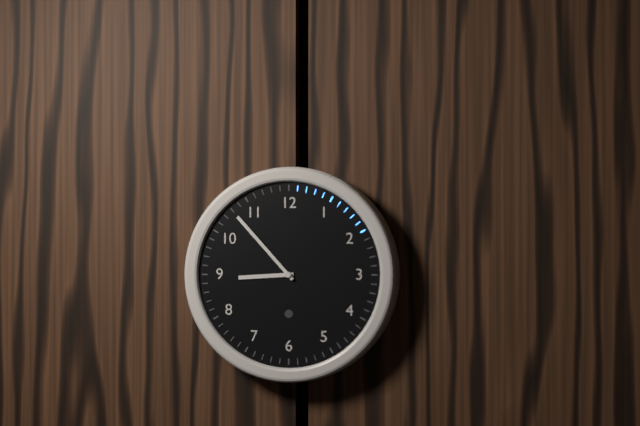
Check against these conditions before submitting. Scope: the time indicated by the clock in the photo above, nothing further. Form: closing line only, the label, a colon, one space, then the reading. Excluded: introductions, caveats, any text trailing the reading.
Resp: 8:53
